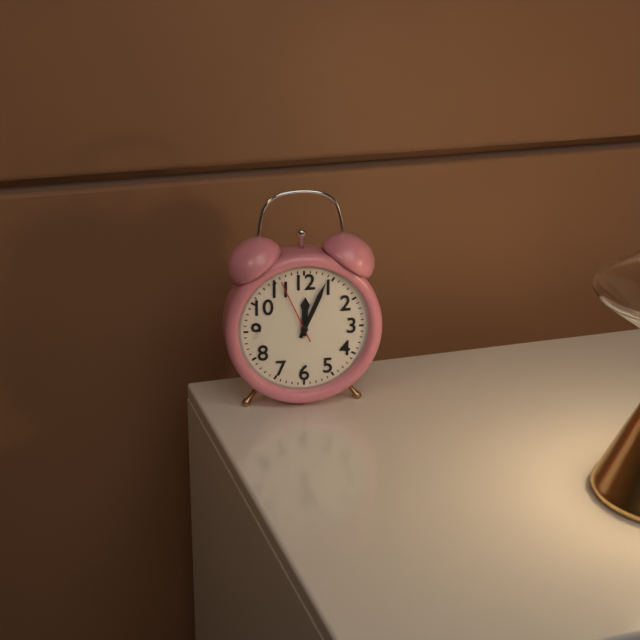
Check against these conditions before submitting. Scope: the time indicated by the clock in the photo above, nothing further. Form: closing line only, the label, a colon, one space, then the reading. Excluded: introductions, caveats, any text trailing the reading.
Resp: 12:04:56
